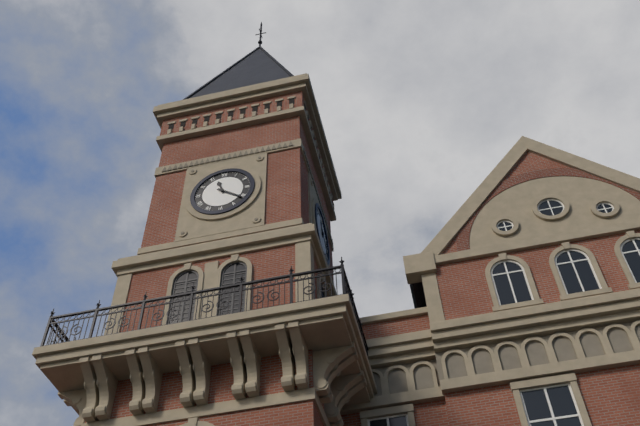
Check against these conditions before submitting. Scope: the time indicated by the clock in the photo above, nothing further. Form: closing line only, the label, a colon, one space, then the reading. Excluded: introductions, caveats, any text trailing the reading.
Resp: 11:21
